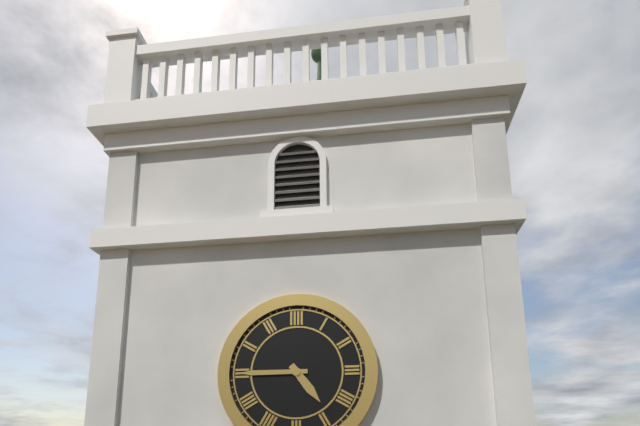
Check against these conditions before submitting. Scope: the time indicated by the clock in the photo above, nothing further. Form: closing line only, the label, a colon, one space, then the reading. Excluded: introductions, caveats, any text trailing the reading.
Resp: 4:45
